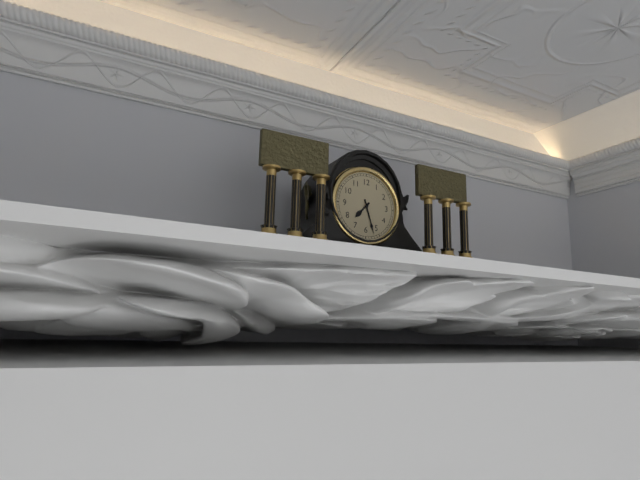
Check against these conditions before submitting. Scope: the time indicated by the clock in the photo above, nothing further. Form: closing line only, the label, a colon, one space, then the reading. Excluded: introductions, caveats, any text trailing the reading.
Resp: 7:27
